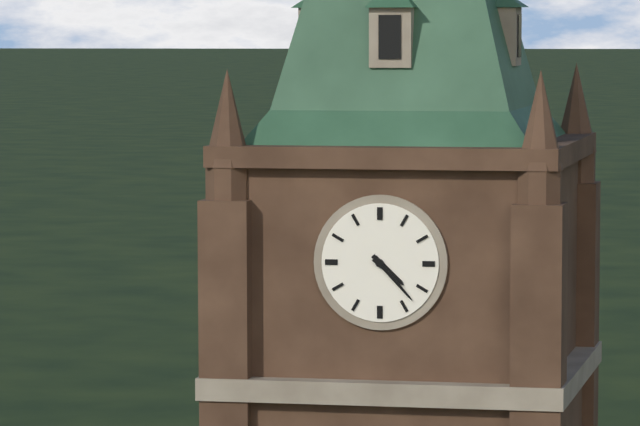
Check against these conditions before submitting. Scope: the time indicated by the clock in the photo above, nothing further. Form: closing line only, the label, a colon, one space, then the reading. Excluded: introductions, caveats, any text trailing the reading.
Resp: 4:23
